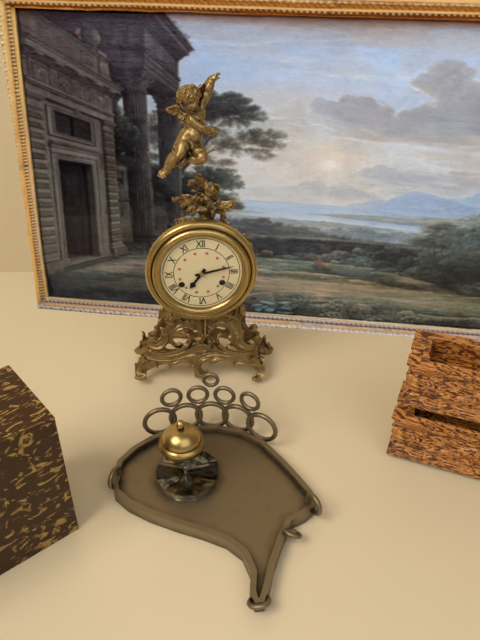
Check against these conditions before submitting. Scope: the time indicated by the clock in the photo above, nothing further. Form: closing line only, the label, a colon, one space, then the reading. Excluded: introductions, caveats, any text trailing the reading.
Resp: 7:13
